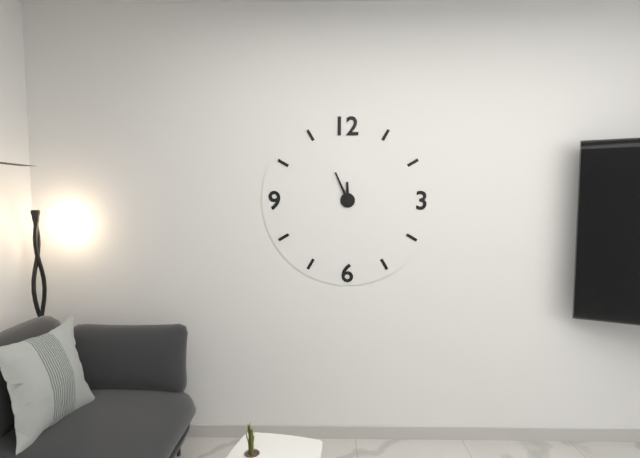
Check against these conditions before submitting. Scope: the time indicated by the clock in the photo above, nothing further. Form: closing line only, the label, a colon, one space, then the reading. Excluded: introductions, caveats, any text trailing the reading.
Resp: 11:56
